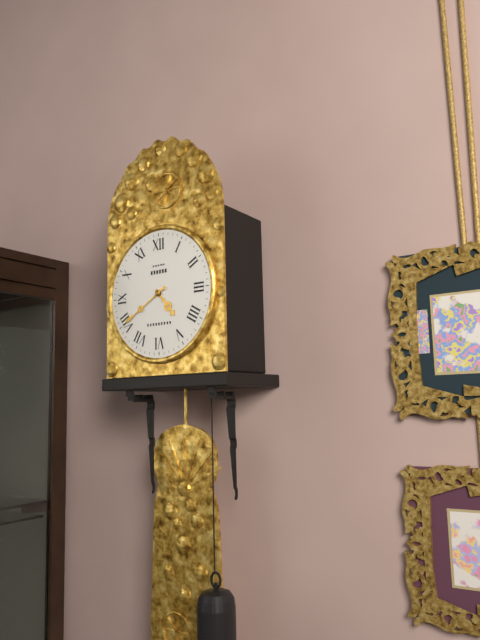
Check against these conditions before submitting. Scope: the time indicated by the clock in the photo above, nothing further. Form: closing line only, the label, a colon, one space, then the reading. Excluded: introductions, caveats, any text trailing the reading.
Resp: 4:40
